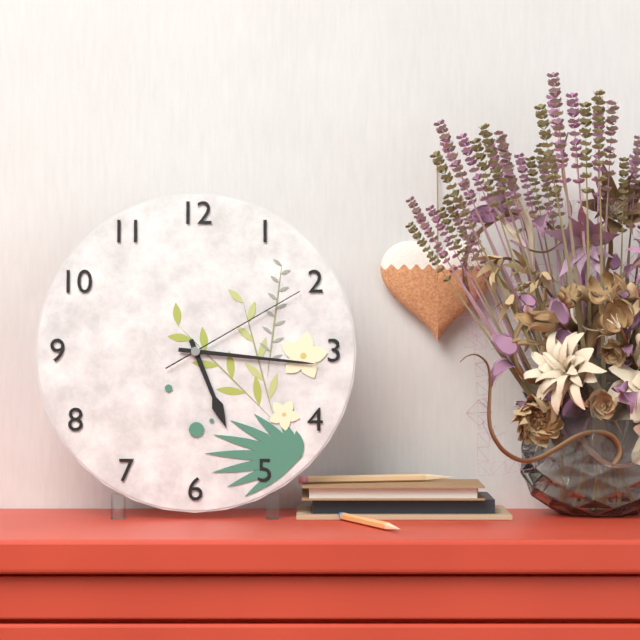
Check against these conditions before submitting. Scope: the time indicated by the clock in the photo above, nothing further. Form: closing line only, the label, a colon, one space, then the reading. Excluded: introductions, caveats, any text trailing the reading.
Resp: 5:16:10
